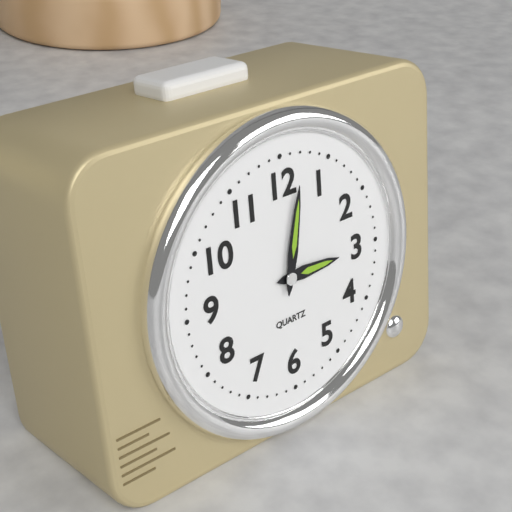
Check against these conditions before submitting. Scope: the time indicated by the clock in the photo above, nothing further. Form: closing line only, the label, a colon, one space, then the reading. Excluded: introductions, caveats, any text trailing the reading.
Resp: 3:02
